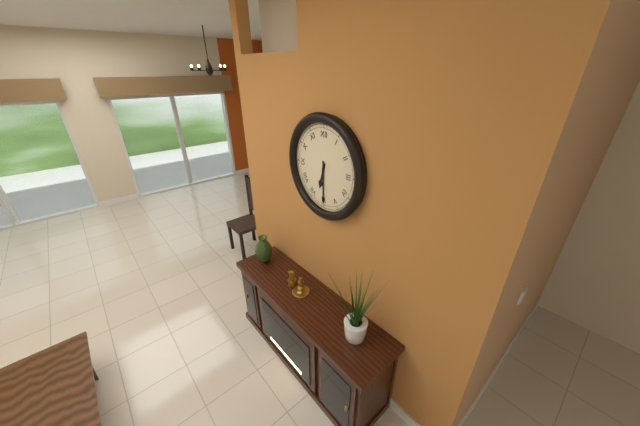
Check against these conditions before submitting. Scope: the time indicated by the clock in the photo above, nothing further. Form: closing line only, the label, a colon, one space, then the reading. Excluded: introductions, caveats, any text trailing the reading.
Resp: 6:30
